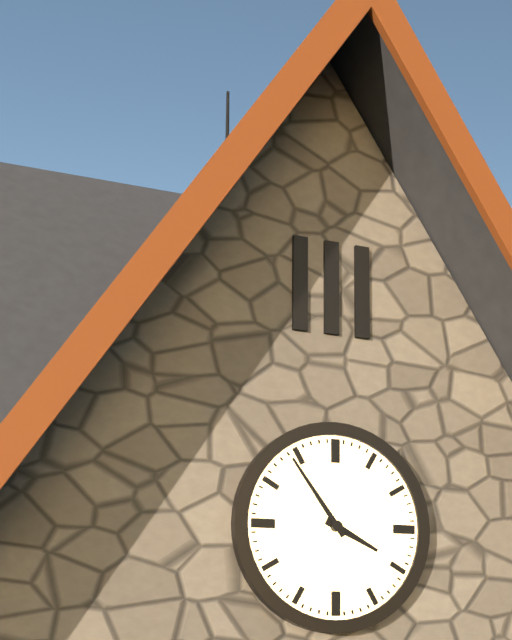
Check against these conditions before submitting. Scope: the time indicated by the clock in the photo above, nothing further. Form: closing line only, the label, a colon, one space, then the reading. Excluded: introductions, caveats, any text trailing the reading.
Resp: 3:54
